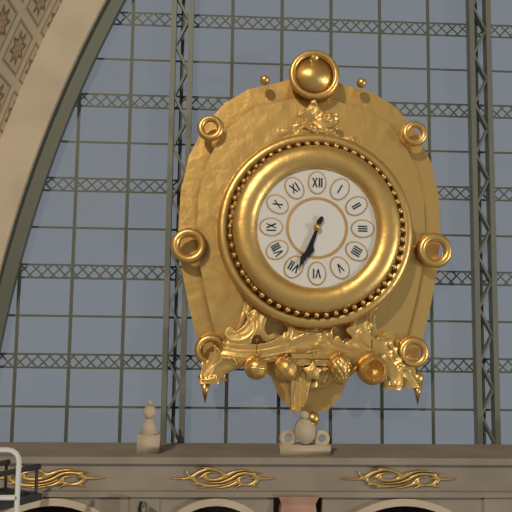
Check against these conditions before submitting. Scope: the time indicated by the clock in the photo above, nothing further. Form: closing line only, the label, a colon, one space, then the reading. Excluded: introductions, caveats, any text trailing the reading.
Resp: 6:34
